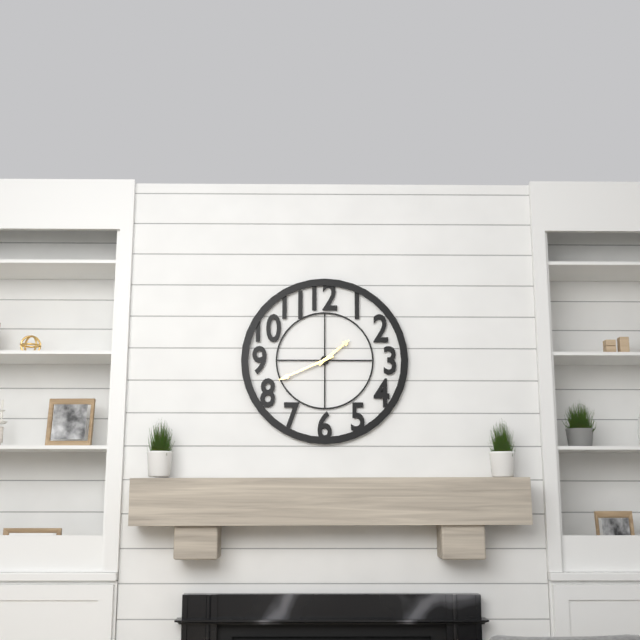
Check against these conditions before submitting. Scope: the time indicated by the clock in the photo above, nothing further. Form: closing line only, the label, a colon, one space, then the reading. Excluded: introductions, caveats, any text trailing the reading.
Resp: 1:41
